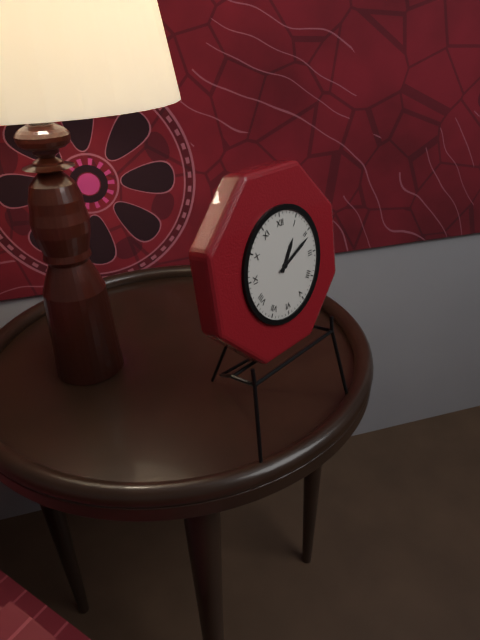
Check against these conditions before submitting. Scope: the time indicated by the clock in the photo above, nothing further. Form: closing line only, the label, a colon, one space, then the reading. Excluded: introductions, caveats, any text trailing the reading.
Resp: 1:11
